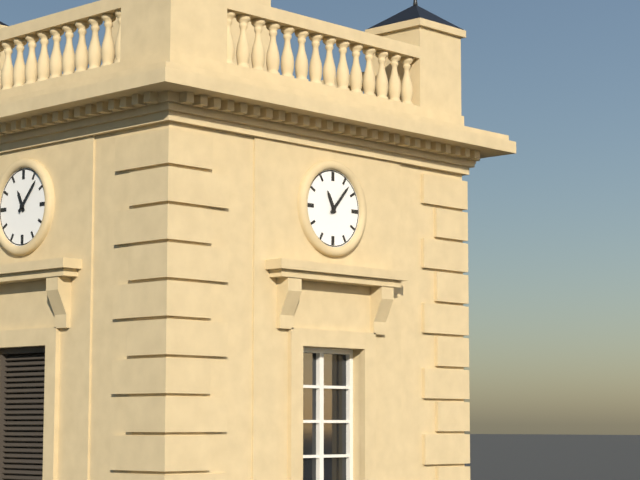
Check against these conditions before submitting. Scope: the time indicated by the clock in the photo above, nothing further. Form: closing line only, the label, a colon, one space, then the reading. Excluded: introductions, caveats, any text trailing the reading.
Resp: 11:07
